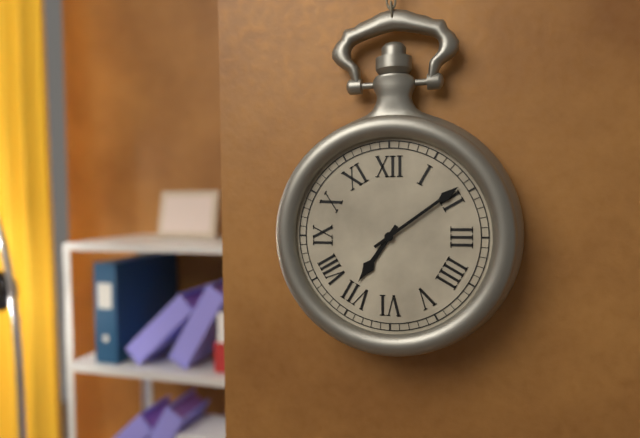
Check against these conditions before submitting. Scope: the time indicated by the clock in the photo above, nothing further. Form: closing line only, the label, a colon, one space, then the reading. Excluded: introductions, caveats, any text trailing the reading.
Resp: 7:09
